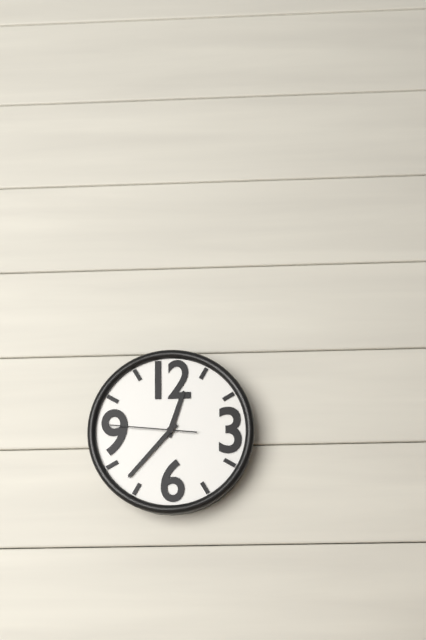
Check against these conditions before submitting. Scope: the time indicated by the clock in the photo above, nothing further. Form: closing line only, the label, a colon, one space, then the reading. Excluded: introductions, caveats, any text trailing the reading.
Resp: 12:37:46
